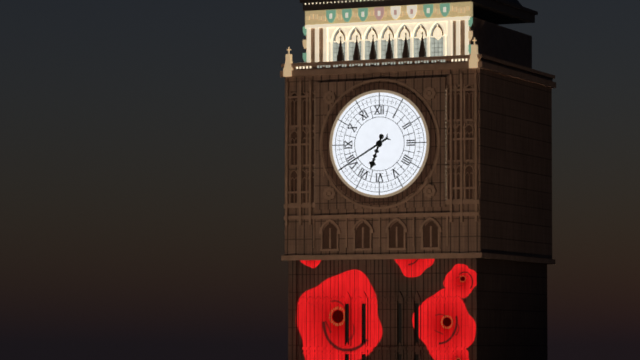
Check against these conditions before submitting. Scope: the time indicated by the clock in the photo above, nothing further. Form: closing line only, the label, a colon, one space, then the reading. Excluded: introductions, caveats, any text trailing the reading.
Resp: 6:40
